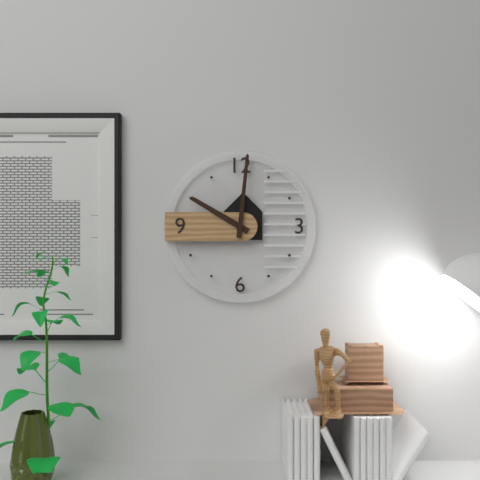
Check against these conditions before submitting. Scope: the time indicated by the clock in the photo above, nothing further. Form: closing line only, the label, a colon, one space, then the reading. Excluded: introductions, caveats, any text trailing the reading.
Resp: 10:01
